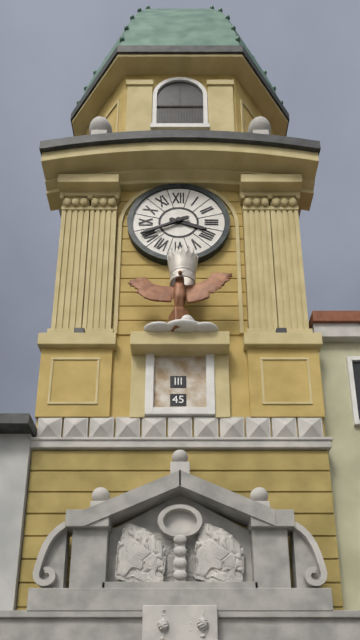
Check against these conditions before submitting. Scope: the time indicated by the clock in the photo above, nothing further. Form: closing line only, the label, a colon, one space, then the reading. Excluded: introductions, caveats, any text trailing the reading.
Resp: 3:41
